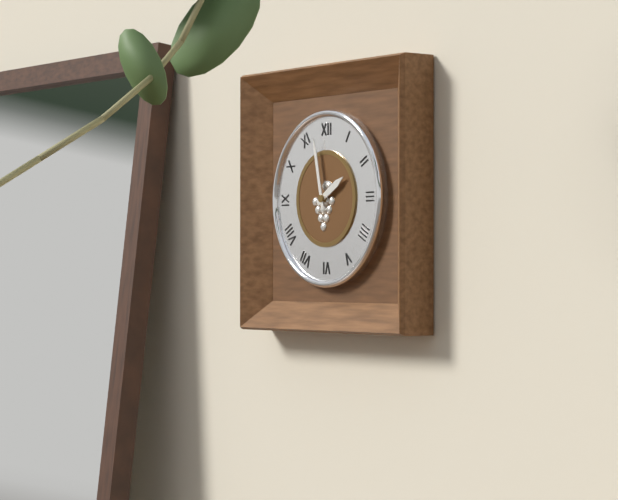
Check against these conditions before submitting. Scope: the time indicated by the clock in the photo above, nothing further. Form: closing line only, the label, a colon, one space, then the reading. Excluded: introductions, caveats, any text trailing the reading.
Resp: 1:58
